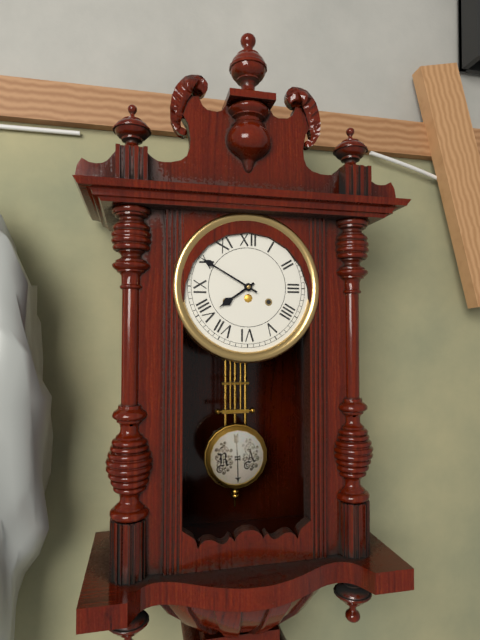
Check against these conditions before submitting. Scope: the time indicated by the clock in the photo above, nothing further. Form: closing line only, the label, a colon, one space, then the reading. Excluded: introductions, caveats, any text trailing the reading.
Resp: 7:50
